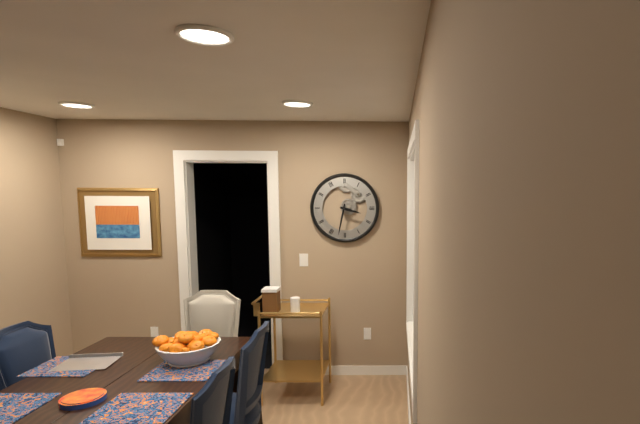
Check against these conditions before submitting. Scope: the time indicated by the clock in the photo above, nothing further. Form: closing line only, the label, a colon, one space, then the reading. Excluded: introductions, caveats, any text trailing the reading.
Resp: 3:32
